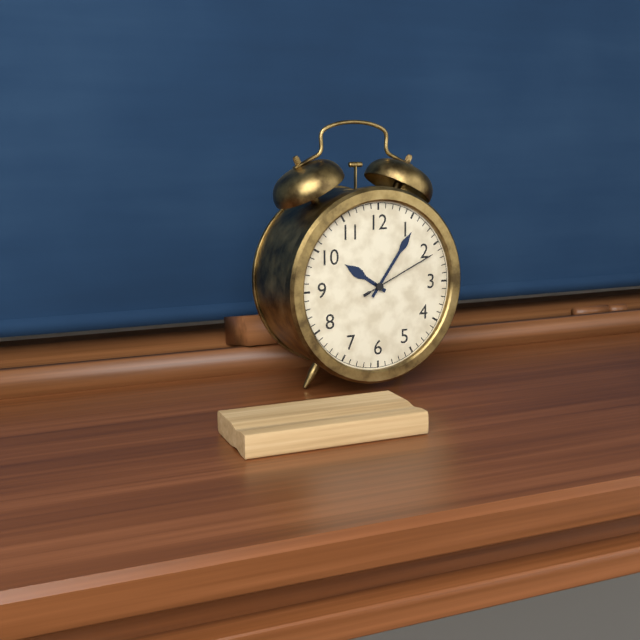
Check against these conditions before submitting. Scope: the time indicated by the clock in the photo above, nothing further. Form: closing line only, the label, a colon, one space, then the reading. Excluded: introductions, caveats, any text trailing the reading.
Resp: 10:06:11
